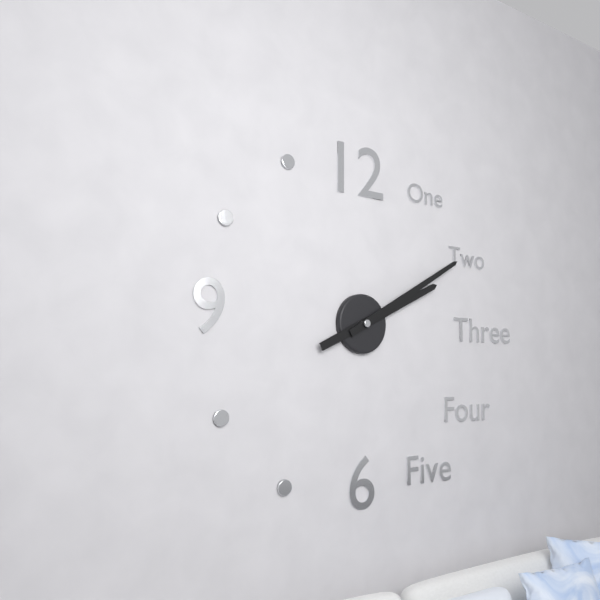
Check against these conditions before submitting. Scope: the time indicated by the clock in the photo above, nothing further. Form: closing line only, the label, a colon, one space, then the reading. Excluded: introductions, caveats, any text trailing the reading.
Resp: 2:10
